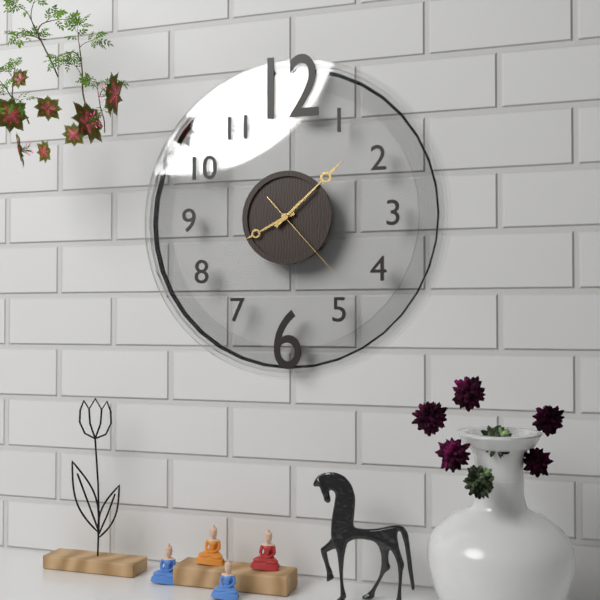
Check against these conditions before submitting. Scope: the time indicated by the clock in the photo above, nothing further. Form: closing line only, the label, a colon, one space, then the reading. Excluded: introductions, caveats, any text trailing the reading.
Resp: 8:08:23
